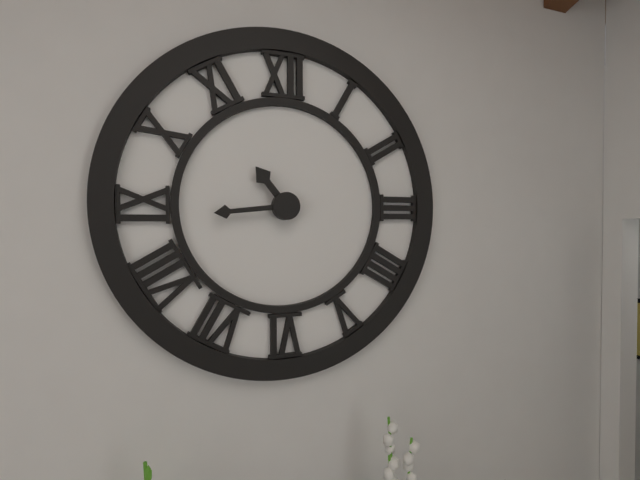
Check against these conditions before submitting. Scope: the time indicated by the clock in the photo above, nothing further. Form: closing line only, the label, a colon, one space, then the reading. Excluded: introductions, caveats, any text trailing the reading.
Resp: 10:44
